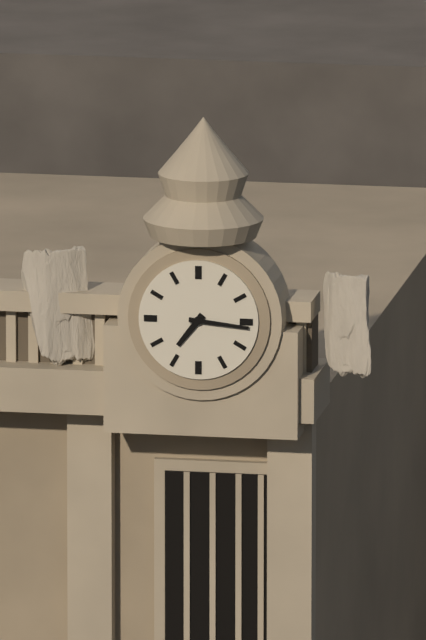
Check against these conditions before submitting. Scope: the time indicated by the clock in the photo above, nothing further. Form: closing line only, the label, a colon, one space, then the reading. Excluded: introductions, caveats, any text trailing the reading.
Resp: 7:16
